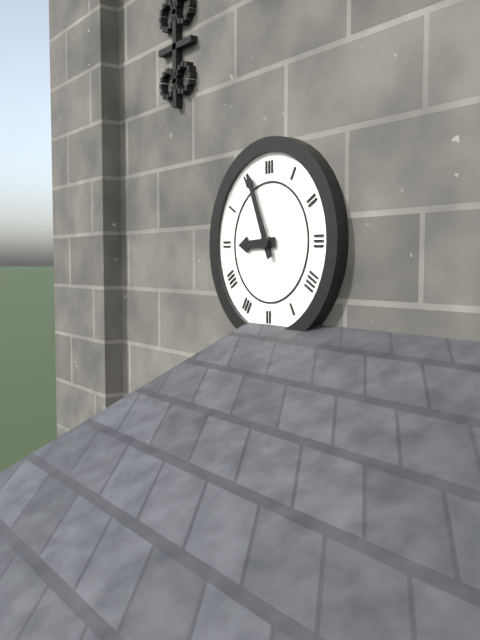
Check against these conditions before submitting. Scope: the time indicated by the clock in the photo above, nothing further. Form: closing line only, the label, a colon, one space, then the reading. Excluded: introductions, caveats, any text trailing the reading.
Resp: 8:56
